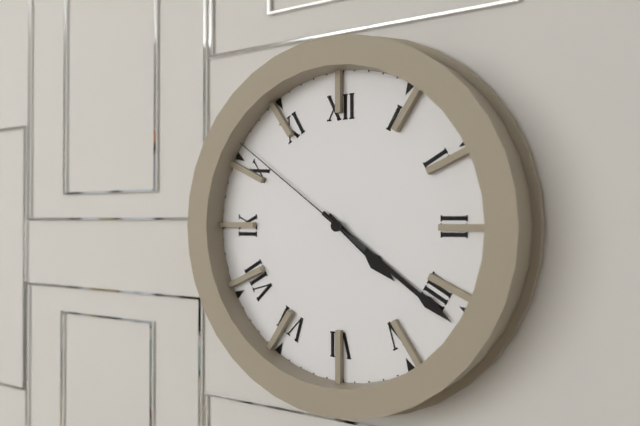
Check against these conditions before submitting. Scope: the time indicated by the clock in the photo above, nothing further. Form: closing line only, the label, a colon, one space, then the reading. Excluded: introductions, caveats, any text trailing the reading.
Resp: 4:21:51
